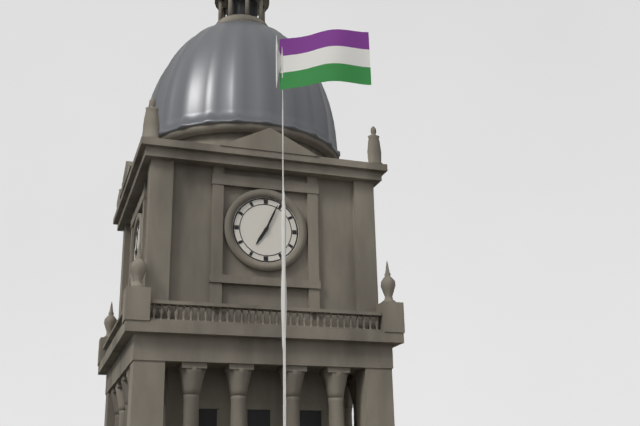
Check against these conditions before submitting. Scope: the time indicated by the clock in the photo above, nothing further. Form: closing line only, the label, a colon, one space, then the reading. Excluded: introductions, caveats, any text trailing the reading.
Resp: 7:04
